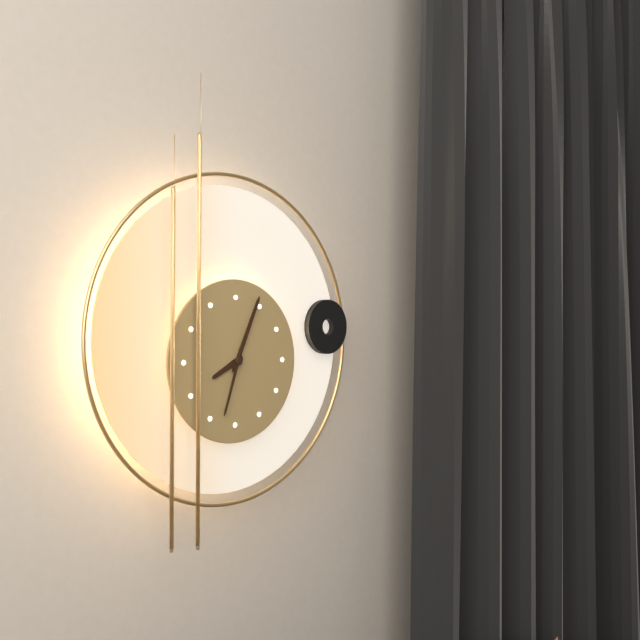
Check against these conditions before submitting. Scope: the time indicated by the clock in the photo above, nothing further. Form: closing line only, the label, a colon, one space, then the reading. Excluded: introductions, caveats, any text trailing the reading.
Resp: 8:04:33
